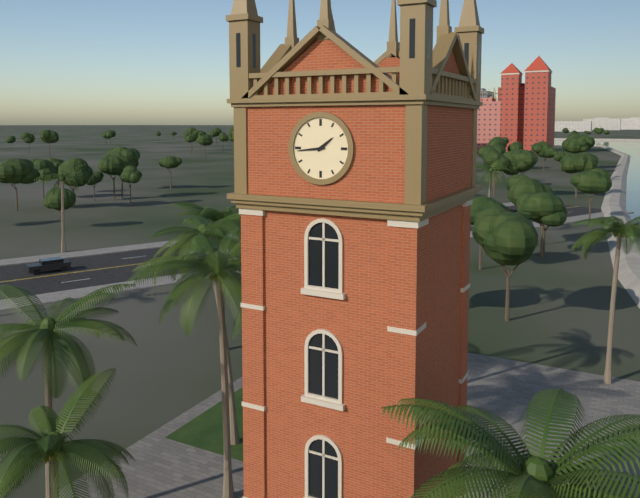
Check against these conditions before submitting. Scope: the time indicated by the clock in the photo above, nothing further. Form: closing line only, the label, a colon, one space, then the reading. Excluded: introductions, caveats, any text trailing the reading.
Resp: 1:44
